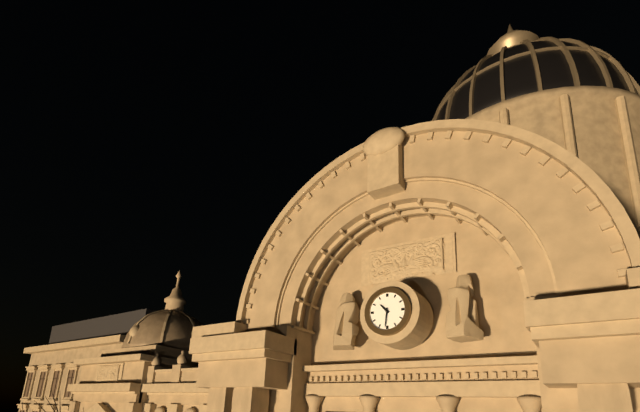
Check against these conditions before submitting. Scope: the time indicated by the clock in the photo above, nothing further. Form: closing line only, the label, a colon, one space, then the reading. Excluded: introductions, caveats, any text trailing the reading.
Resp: 10:31
